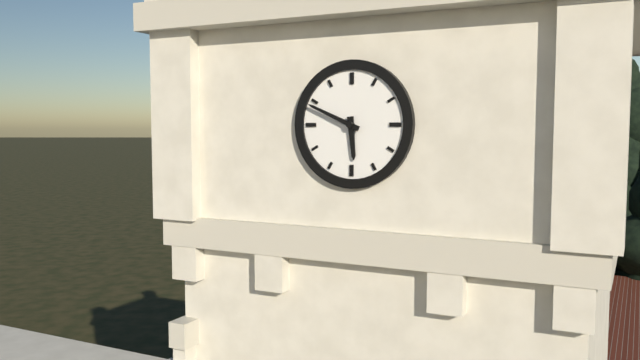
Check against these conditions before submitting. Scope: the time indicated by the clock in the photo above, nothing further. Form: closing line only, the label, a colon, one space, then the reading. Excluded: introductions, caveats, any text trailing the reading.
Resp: 5:49
